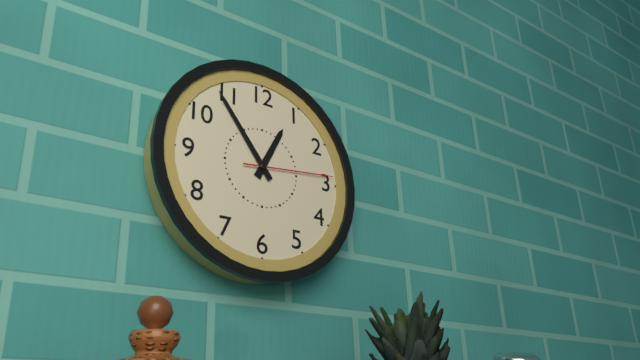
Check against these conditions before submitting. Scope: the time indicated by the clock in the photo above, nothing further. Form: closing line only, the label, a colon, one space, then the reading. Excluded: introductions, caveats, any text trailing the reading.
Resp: 12:54:14
